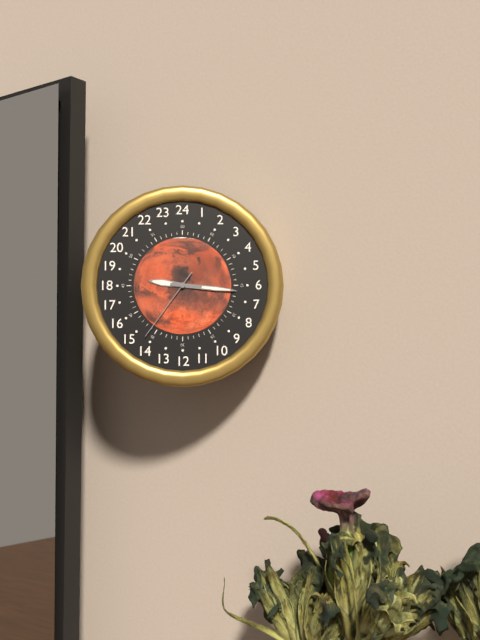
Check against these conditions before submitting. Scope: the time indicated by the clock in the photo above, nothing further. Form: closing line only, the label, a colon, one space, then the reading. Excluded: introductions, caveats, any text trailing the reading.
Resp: 9:16:36
